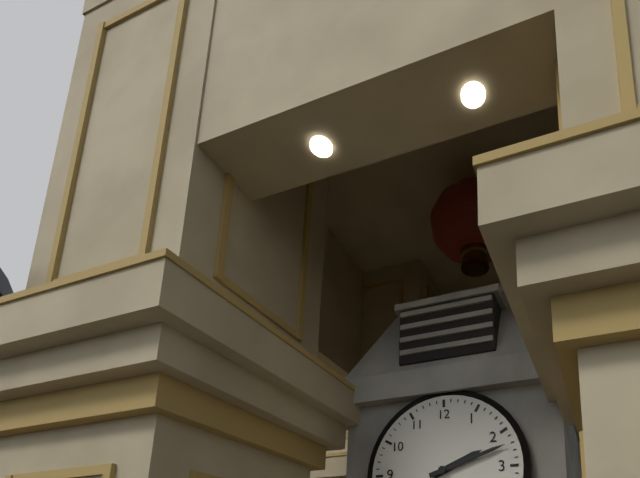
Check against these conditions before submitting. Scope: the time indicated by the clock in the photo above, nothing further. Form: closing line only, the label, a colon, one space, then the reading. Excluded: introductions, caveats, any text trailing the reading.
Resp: 2:12
